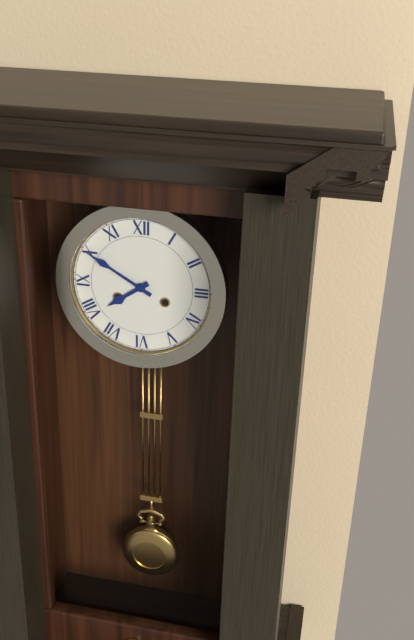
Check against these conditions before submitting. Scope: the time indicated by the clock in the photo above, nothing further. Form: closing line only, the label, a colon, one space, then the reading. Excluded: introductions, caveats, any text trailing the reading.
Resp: 7:50
